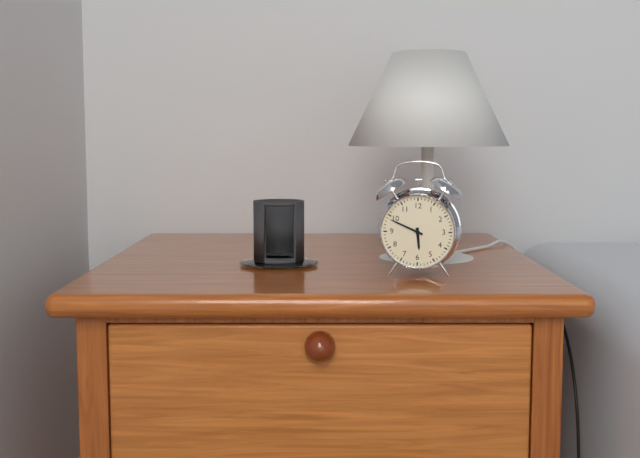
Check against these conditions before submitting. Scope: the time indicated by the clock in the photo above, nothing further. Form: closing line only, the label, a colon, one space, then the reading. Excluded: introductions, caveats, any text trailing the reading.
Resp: 5:49
